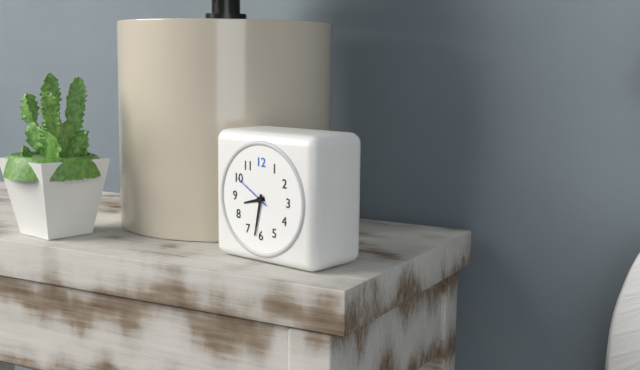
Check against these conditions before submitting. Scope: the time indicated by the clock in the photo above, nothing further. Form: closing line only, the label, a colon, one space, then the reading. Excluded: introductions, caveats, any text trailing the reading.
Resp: 8:32
